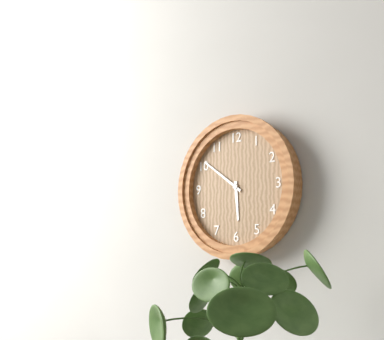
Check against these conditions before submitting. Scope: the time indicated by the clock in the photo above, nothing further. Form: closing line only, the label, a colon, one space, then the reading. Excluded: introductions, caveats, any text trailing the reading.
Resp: 5:51
